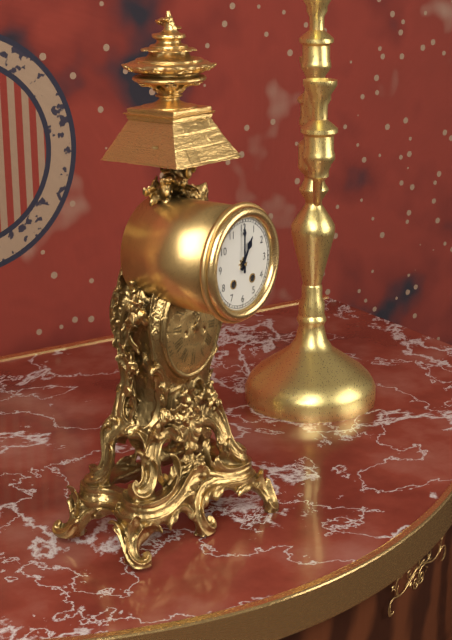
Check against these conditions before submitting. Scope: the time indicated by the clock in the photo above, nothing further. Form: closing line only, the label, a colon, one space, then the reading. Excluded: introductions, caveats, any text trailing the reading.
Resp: 1:00
